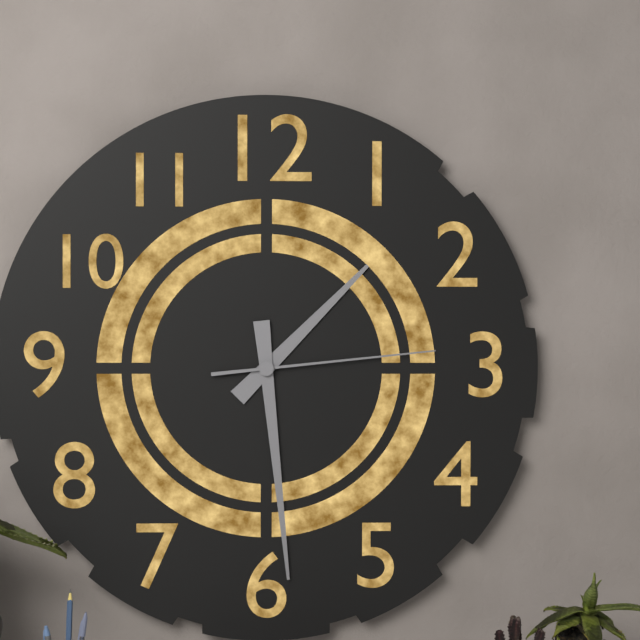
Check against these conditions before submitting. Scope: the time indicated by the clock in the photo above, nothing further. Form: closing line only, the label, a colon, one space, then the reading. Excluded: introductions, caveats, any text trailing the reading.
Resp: 1:29:14
